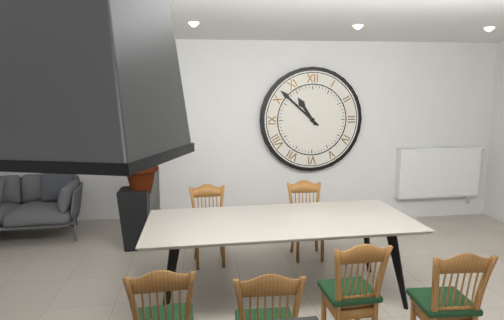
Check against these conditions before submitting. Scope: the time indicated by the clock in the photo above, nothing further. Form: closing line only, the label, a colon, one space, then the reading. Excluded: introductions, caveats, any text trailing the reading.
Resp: 10:52
